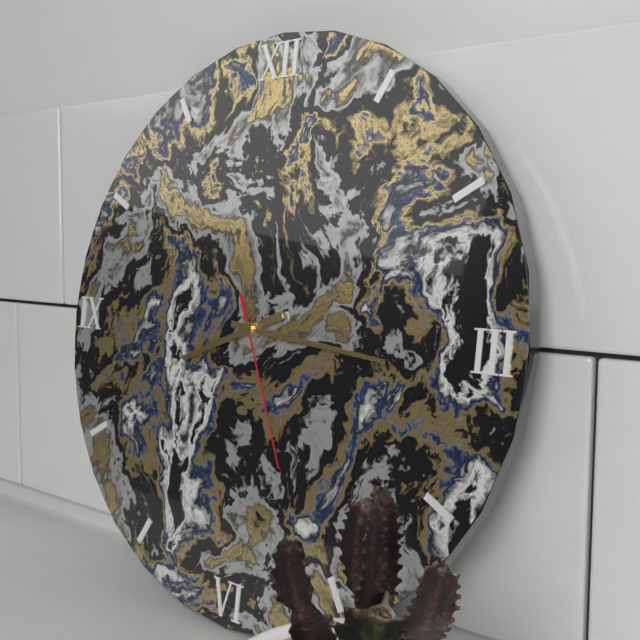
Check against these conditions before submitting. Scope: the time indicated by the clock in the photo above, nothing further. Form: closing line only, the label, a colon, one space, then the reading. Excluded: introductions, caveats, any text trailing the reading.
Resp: 8:16:26
